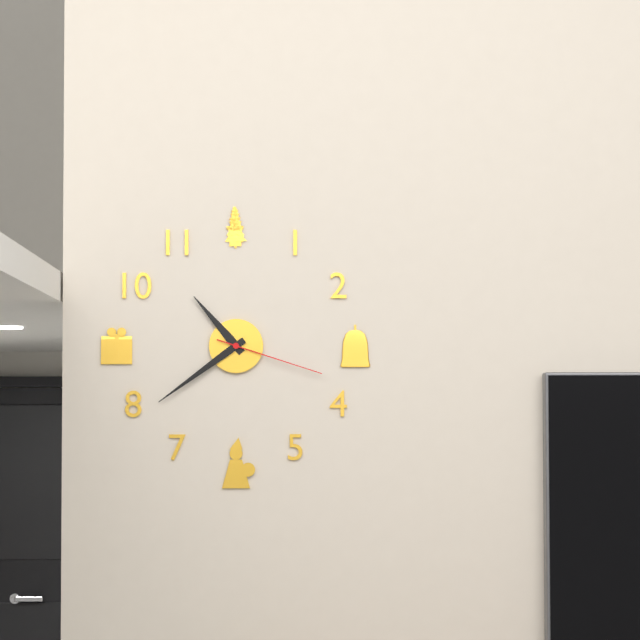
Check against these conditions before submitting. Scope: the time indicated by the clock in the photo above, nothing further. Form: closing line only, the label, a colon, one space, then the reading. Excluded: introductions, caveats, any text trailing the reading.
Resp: 10:39:18
